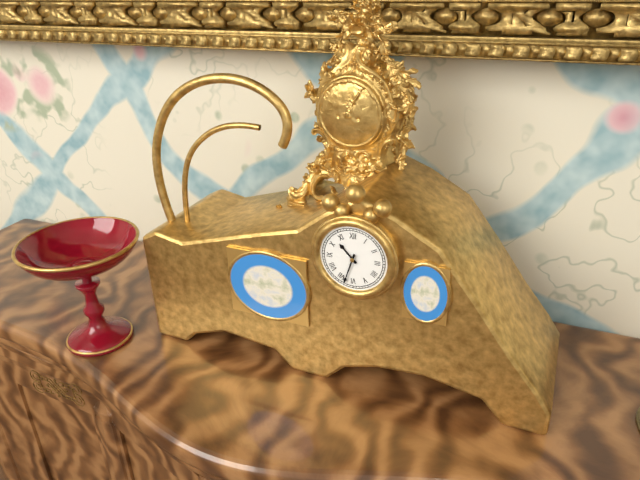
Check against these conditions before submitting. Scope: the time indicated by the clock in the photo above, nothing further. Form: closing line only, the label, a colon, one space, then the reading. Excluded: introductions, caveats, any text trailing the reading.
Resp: 10:33
